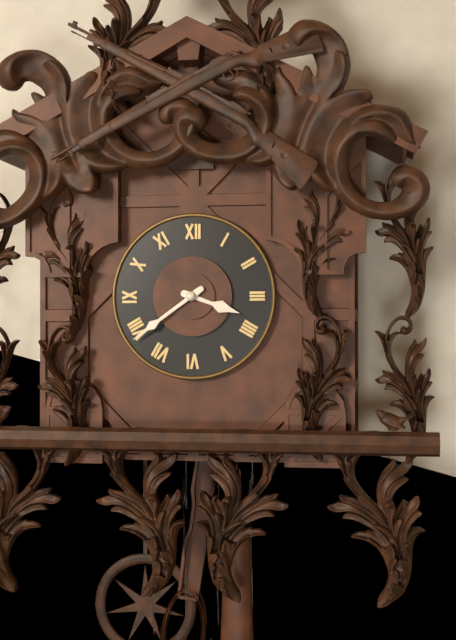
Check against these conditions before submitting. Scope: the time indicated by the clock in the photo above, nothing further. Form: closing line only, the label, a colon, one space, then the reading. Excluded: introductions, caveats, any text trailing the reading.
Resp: 3:39
